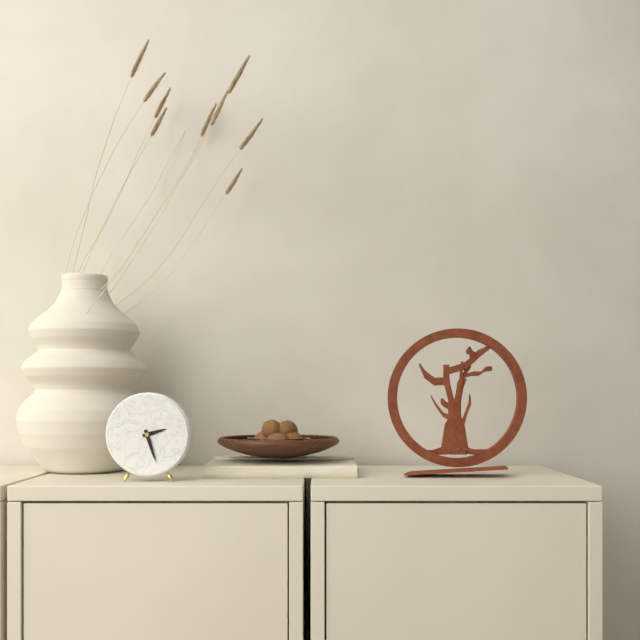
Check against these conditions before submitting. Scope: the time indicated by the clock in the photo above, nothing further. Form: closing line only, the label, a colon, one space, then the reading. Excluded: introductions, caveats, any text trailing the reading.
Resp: 2:27
